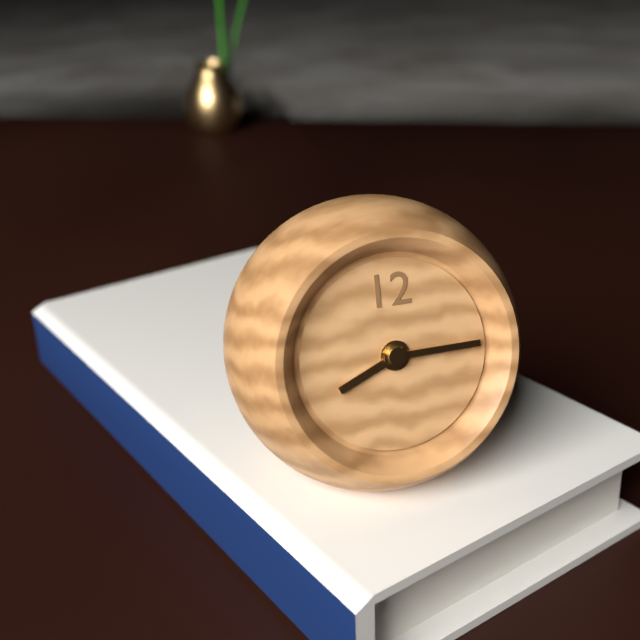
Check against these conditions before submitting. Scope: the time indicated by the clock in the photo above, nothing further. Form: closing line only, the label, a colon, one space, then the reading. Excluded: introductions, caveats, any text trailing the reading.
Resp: 8:15
